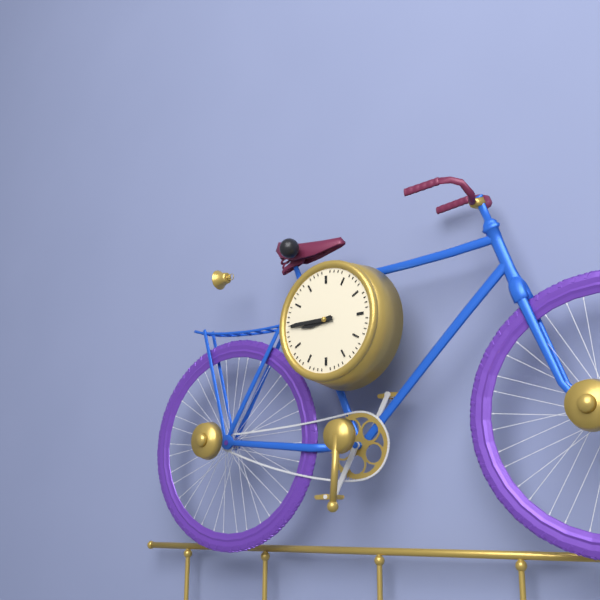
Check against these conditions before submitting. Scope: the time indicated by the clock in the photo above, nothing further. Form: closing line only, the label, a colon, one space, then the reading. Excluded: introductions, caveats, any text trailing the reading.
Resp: 8:45
